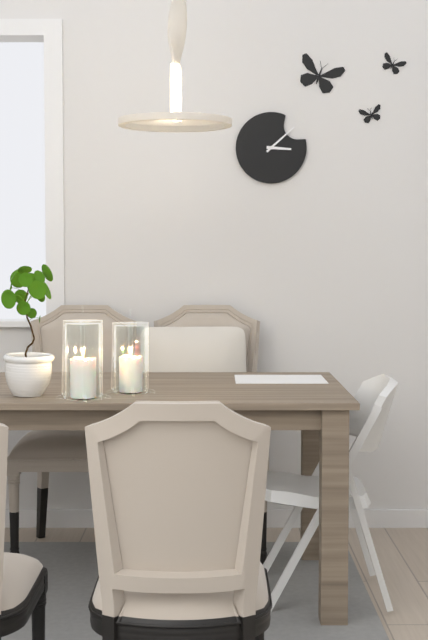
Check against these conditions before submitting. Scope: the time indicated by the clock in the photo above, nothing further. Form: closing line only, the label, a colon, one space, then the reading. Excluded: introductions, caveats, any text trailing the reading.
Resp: 3:08
